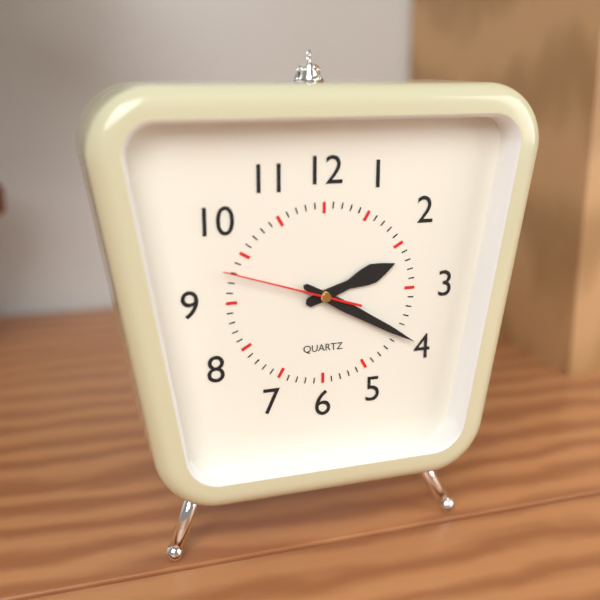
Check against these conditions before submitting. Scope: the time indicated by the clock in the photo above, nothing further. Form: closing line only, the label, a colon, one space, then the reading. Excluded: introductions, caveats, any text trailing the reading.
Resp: 2:20:48
